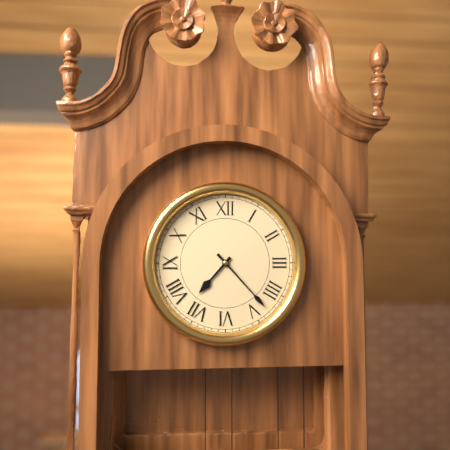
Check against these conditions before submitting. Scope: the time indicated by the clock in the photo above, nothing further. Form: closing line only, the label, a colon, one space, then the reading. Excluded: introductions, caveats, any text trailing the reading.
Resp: 7:23
